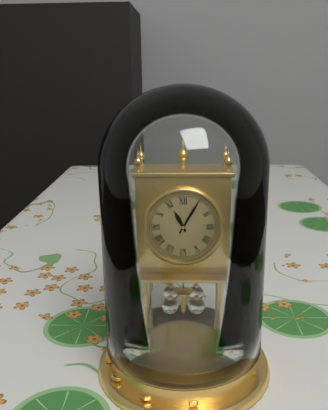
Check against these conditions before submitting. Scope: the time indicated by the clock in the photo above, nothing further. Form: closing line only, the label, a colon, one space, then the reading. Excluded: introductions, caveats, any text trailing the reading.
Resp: 11:05
